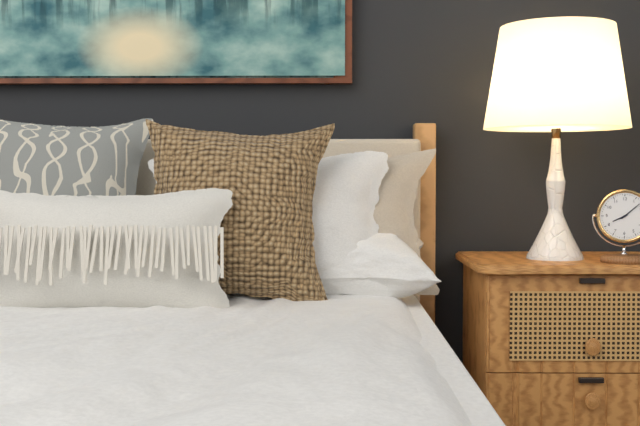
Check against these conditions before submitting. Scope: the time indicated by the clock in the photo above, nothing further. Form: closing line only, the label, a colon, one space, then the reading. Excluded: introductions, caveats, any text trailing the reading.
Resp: 8:08
